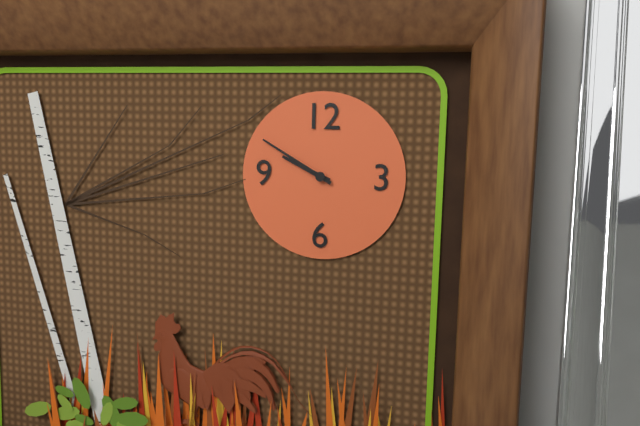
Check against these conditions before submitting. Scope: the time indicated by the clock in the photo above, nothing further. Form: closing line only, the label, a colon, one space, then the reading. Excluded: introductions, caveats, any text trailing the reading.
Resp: 9:50
